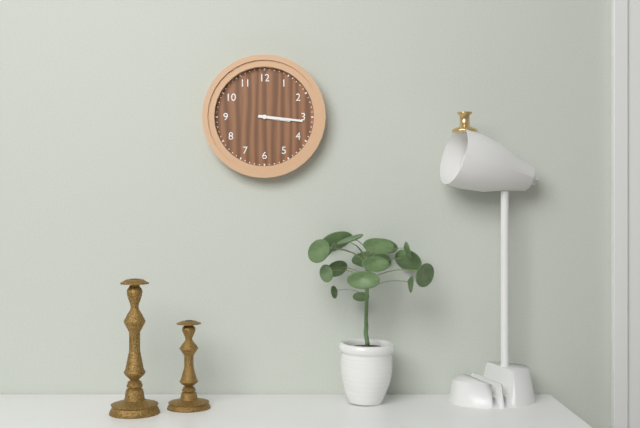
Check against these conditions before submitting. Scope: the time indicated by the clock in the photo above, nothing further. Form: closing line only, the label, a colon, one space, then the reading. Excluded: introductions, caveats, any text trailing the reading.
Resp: 3:16
